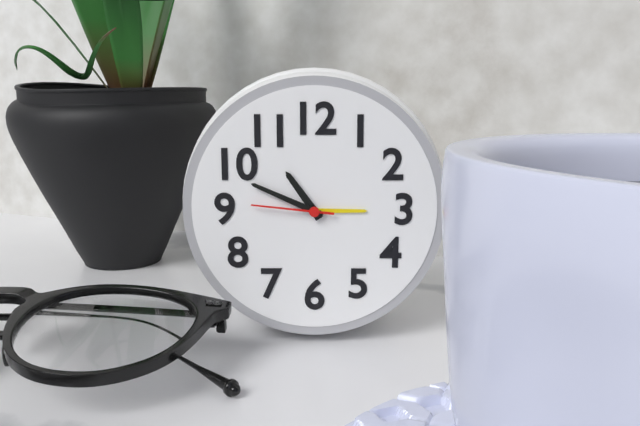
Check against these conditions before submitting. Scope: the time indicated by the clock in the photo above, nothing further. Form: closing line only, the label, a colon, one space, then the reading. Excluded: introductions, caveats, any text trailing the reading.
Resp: 10:49:46
